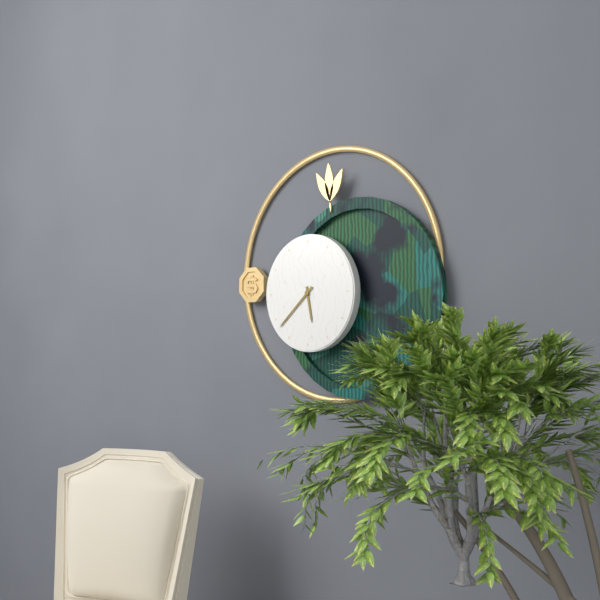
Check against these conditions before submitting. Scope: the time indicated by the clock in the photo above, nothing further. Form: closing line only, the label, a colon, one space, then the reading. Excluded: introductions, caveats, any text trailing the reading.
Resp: 5:38
